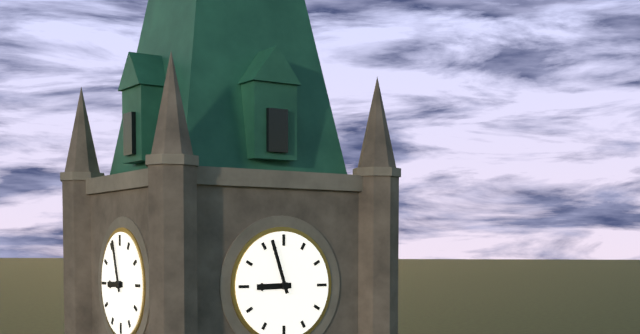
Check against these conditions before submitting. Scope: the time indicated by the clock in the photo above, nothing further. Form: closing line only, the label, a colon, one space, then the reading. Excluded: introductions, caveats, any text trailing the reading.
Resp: 8:57
